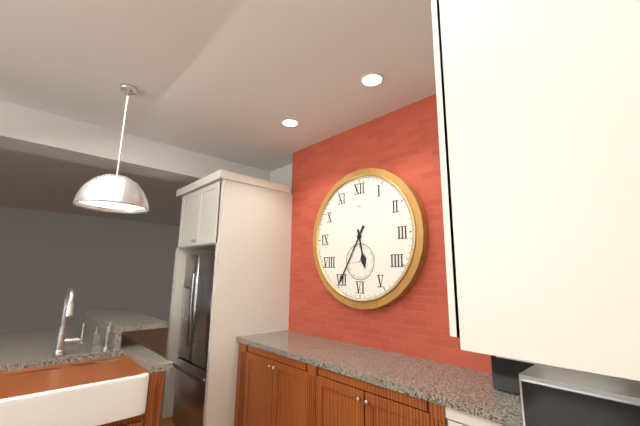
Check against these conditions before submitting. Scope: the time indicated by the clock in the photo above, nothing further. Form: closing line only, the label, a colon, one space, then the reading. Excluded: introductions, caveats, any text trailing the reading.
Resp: 5:35
